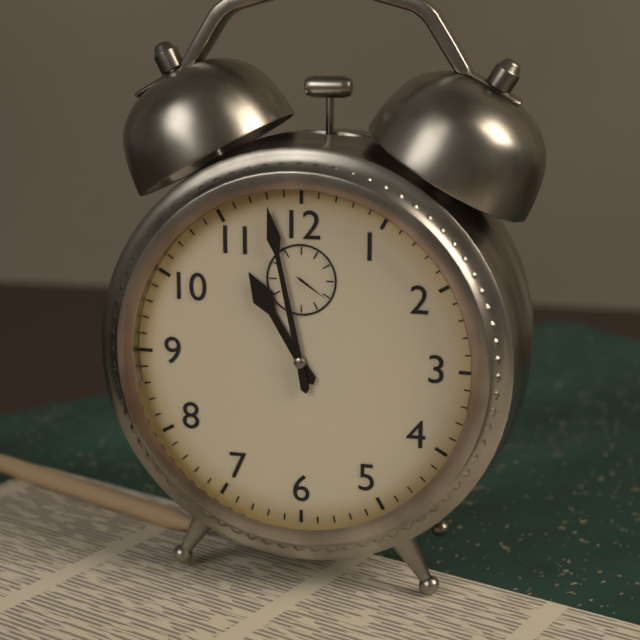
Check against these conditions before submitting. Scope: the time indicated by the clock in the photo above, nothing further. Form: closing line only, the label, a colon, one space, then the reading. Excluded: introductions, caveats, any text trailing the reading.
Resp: 10:58
